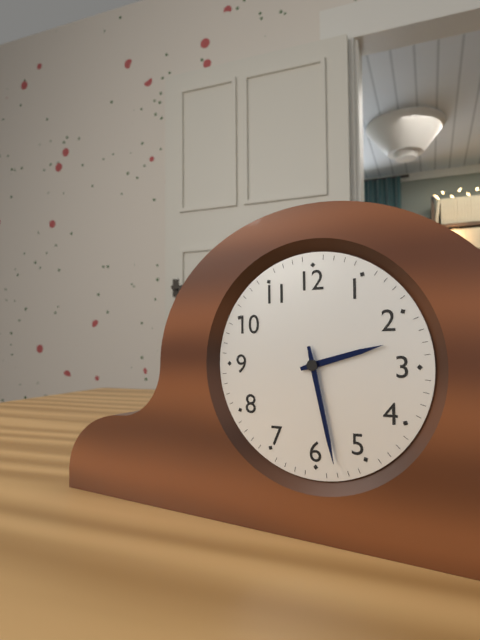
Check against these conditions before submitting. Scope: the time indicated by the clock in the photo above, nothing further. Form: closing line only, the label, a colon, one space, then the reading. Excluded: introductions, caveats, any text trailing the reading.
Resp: 2:28
